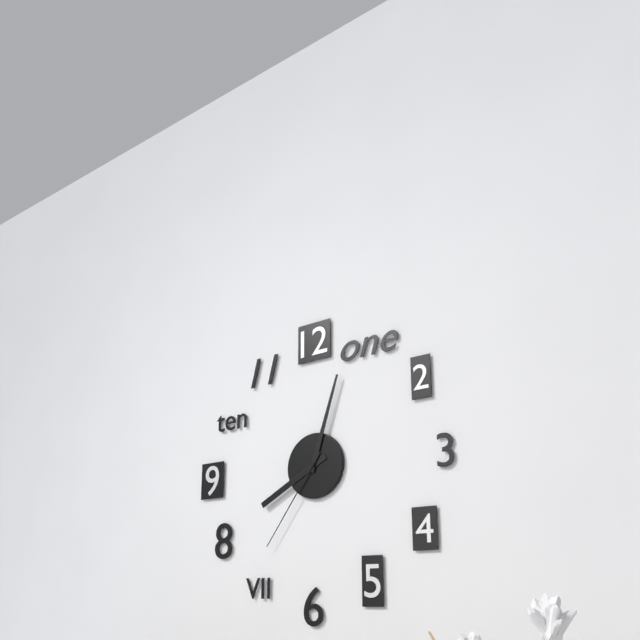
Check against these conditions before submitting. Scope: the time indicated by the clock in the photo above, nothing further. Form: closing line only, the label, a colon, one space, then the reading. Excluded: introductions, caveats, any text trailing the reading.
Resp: 8:03:36
